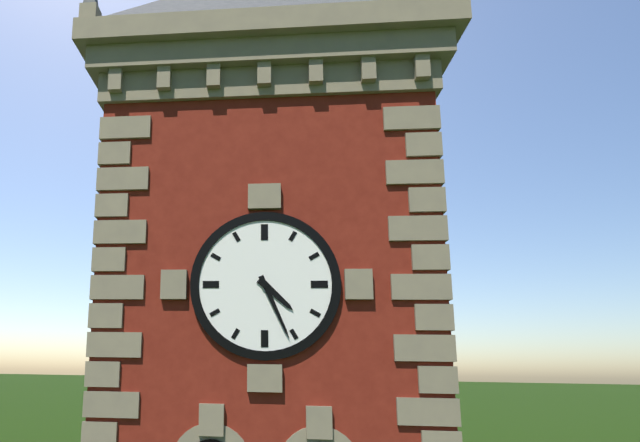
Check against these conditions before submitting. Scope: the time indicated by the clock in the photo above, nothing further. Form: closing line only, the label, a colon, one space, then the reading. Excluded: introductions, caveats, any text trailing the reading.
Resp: 4:26
